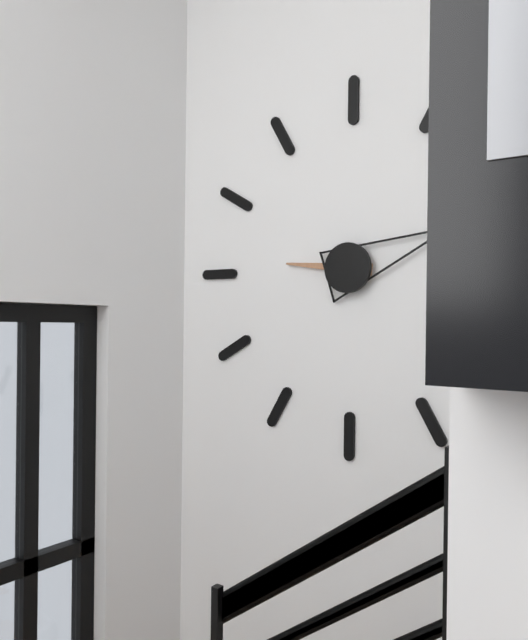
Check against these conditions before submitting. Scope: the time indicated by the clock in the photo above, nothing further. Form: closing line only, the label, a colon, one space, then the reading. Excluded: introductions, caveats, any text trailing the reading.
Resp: 9:12
